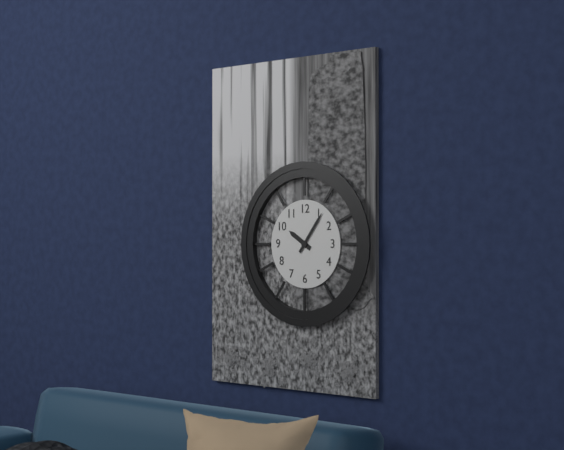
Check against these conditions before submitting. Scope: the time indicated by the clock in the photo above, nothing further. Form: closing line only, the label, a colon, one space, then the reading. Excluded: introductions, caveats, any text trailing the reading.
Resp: 10:06
